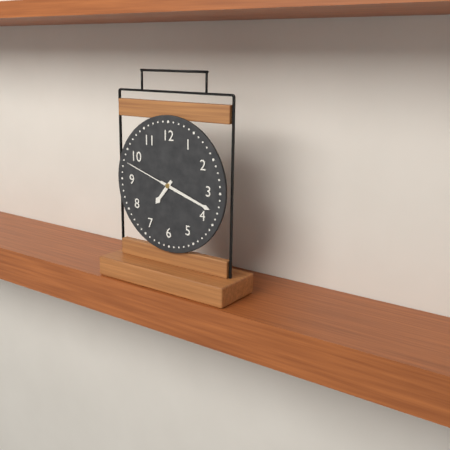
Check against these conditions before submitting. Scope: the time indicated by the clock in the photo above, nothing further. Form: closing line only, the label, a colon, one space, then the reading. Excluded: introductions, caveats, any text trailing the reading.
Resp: 7:18:48
